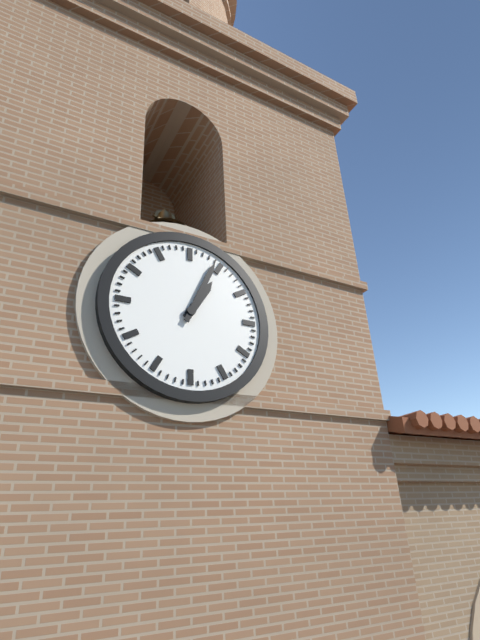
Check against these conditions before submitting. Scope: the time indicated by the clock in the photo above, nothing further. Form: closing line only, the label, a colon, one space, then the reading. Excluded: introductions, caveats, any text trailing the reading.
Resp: 1:04
